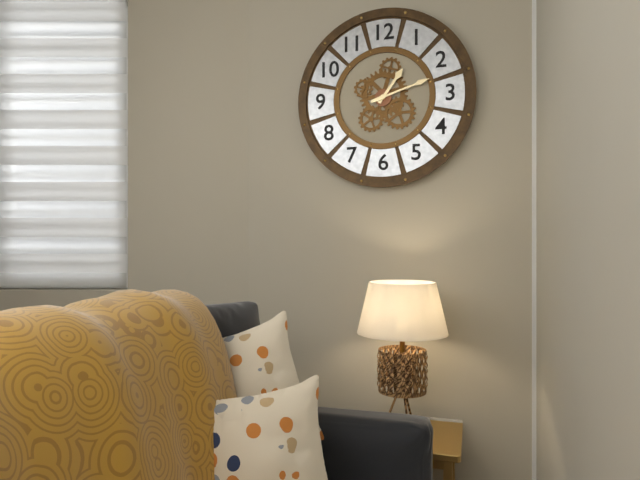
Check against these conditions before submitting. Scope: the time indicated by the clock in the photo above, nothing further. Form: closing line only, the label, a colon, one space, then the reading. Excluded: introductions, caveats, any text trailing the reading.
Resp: 1:12
